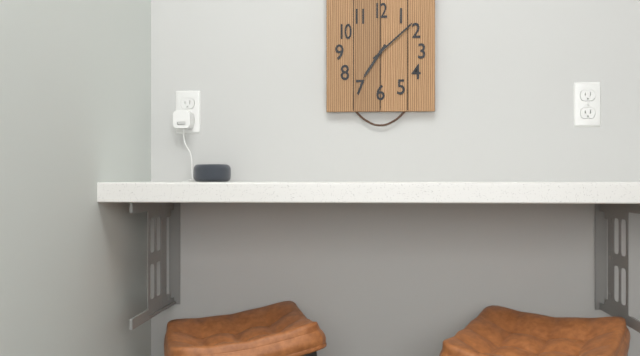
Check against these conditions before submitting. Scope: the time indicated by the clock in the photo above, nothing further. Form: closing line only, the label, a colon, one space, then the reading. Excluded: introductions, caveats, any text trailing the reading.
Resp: 7:08
